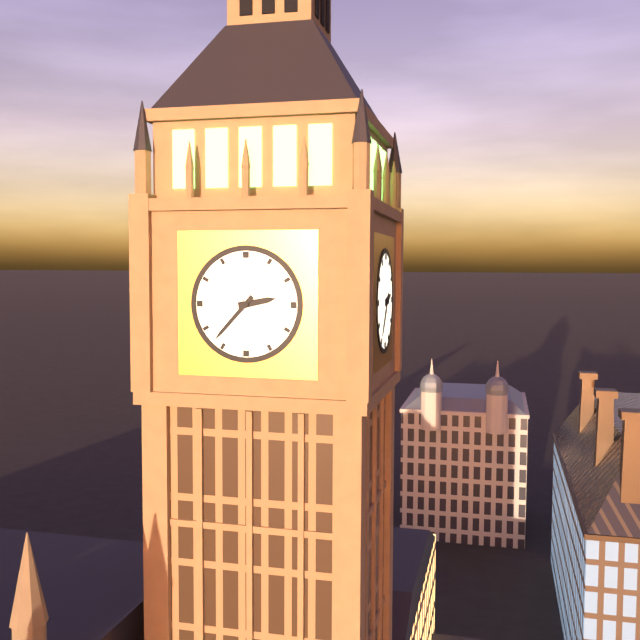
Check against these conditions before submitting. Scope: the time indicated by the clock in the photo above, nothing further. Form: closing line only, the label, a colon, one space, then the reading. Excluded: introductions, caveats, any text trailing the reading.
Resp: 2:37
